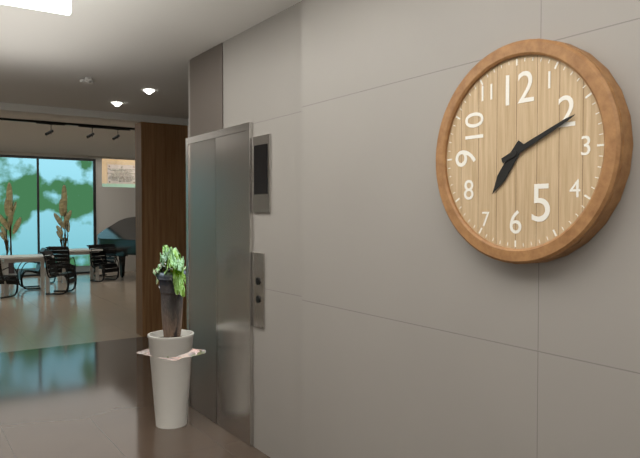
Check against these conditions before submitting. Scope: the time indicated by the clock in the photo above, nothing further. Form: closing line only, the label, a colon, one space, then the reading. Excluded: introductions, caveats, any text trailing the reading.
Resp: 7:11
